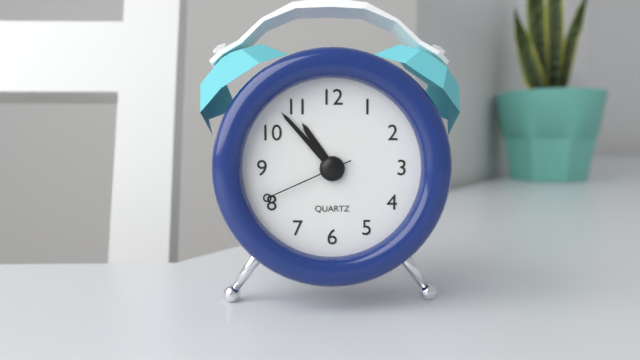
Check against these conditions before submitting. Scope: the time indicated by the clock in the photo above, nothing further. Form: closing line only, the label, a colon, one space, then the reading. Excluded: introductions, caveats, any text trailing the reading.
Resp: 10:53:41
